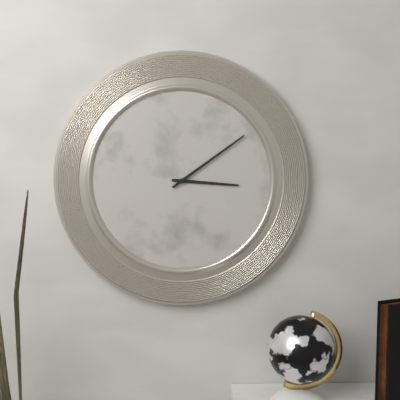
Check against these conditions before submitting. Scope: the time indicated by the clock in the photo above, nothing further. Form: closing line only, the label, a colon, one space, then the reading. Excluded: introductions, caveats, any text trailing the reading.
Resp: 3:09
